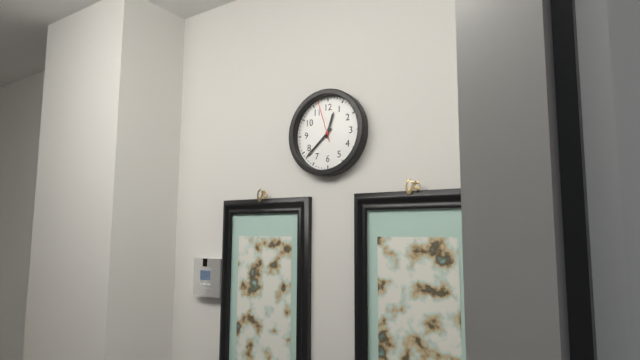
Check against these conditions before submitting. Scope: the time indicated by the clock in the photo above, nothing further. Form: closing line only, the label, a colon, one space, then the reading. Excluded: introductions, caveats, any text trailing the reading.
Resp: 12:38
